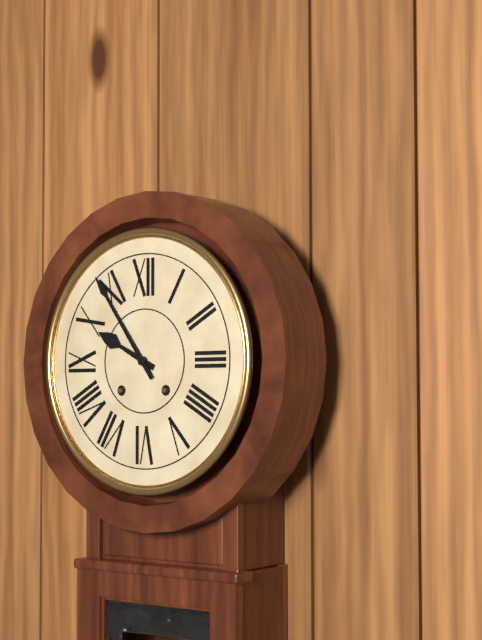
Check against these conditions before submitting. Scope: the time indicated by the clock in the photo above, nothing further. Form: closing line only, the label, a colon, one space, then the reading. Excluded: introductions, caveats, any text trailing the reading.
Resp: 9:54
